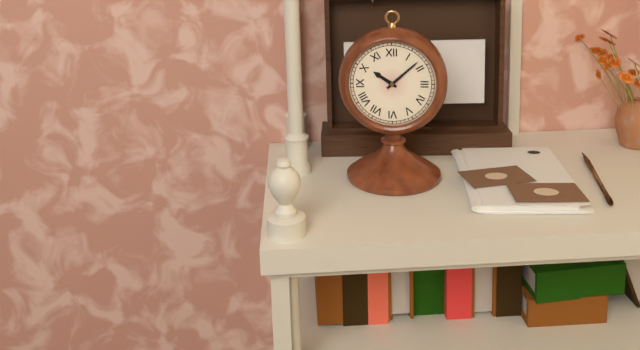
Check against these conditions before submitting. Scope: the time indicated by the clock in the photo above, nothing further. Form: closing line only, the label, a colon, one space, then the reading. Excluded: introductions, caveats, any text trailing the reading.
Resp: 10:08
